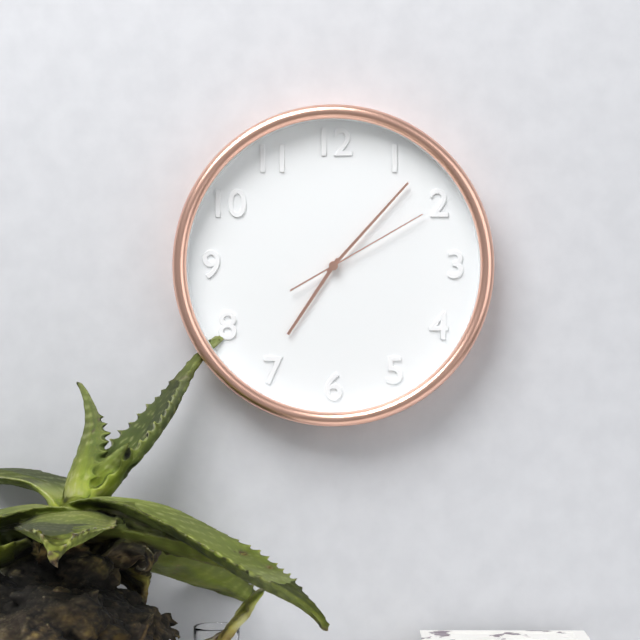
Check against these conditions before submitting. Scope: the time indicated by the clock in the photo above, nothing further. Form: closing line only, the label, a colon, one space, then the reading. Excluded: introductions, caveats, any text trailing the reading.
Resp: 7:07:10
